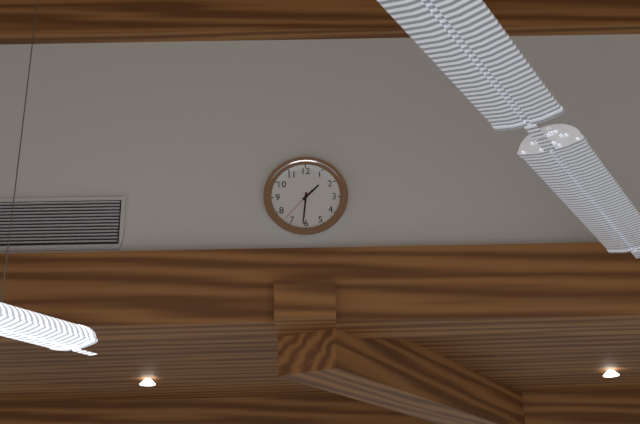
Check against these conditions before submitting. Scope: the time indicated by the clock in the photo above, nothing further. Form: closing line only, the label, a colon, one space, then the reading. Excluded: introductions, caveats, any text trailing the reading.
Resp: 1:31
